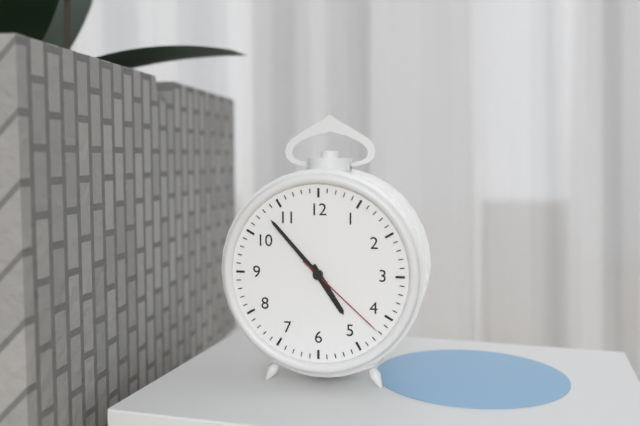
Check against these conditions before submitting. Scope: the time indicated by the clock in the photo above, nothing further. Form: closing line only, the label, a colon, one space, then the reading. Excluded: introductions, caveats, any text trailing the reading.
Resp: 4:53:22
